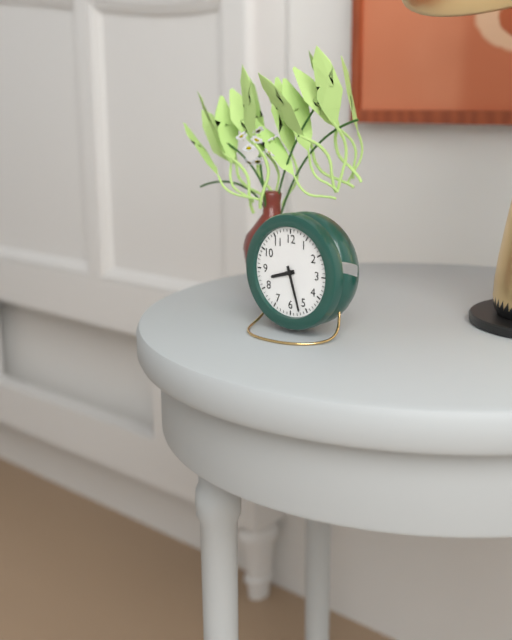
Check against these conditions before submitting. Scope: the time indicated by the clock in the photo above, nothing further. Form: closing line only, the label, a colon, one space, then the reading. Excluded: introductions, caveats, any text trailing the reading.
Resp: 8:27
